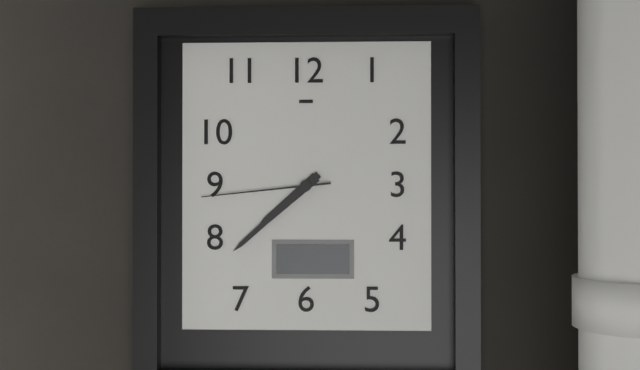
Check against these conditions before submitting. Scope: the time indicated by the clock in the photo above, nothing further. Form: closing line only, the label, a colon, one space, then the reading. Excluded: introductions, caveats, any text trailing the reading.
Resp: 7:38:44
